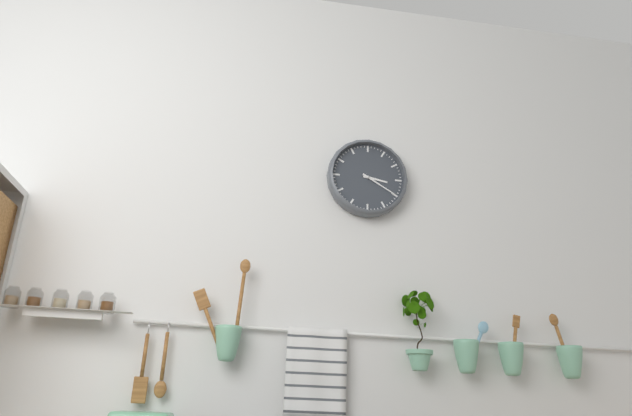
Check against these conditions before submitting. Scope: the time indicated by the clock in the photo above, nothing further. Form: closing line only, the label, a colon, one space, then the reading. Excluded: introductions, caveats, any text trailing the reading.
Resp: 3:20
